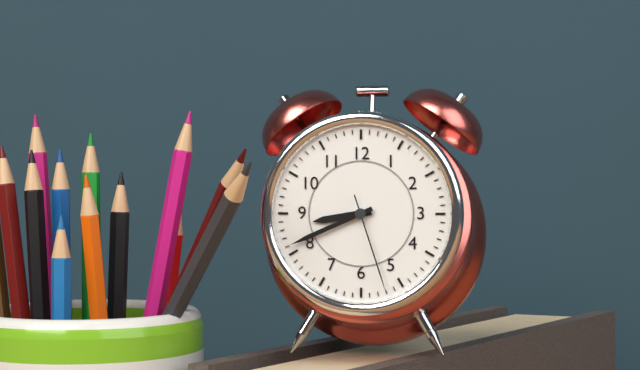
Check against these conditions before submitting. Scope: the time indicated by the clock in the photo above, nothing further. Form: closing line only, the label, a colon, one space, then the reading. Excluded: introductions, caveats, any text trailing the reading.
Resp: 8:41:27
